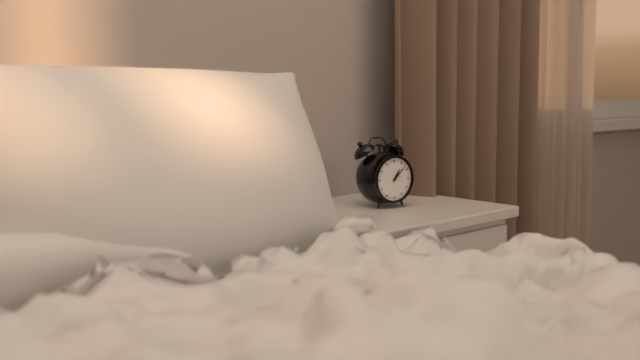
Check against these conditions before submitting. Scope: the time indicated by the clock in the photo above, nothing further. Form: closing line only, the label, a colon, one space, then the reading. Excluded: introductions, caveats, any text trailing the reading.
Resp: 1:08
